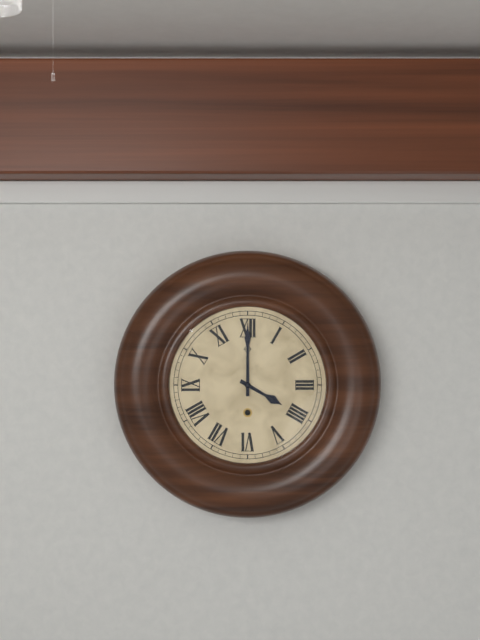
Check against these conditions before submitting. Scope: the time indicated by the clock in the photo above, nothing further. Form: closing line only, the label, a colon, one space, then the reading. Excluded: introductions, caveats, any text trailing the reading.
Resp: 4:00
